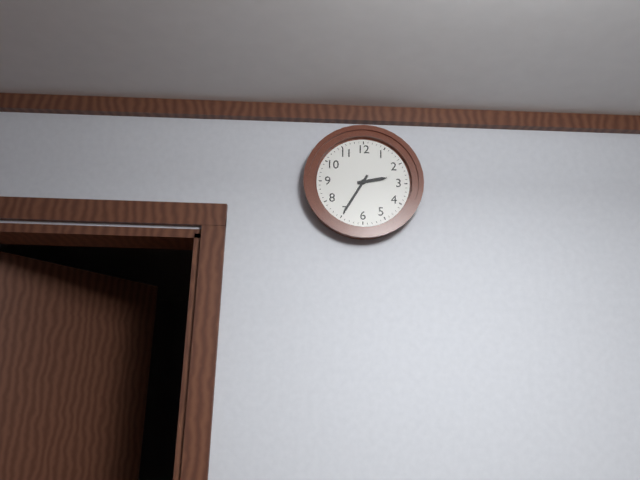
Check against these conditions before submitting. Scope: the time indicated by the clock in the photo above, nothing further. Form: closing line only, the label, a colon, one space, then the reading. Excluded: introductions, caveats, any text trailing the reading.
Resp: 2:35
